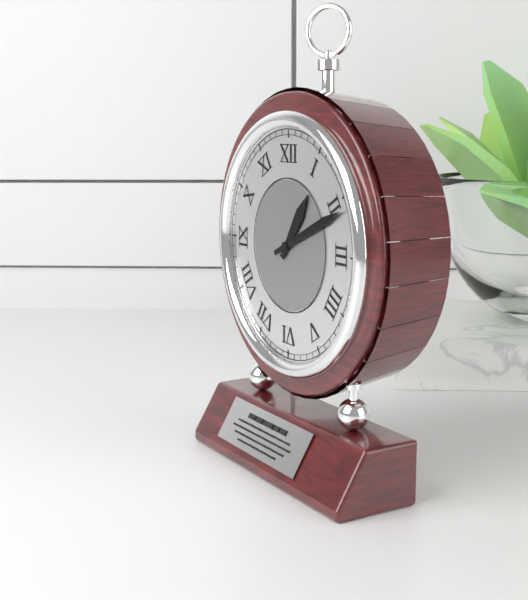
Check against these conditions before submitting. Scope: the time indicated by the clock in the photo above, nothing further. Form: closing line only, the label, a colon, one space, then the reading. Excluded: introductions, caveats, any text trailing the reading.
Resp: 1:11
